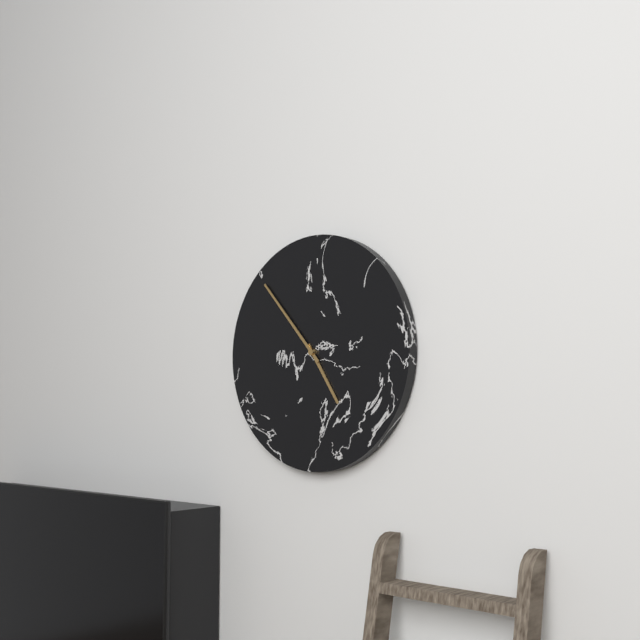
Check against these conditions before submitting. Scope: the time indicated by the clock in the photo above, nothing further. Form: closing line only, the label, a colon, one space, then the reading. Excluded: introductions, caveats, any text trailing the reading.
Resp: 4:53
